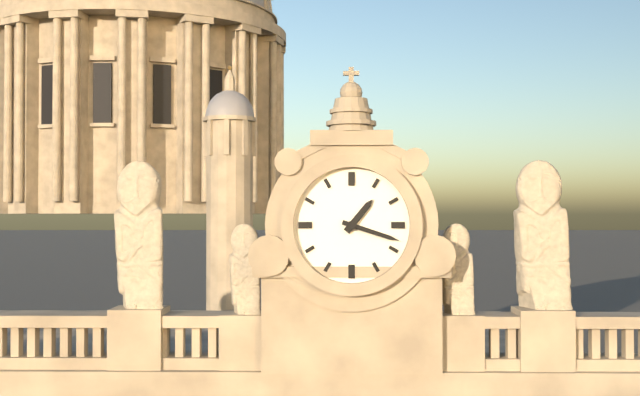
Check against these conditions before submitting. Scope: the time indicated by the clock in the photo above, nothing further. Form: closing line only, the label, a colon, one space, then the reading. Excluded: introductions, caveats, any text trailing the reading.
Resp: 1:18
